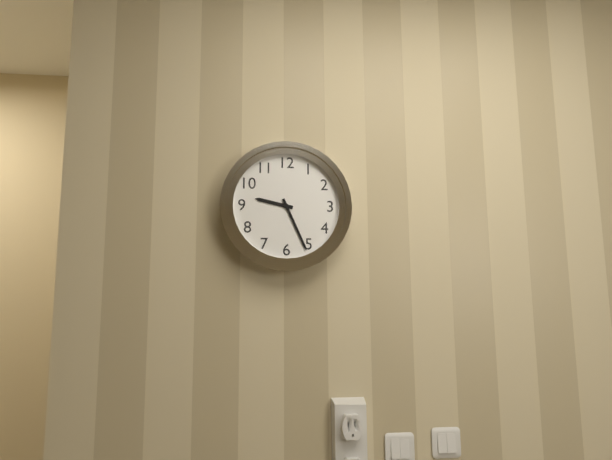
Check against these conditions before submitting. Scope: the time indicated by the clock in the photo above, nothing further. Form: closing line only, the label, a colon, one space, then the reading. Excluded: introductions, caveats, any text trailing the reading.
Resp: 9:26
